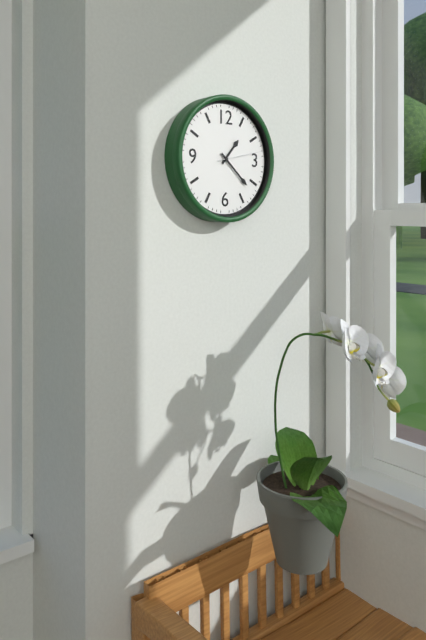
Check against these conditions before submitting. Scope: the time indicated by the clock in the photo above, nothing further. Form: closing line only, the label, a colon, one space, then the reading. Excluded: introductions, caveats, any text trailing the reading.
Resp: 1:22:13
